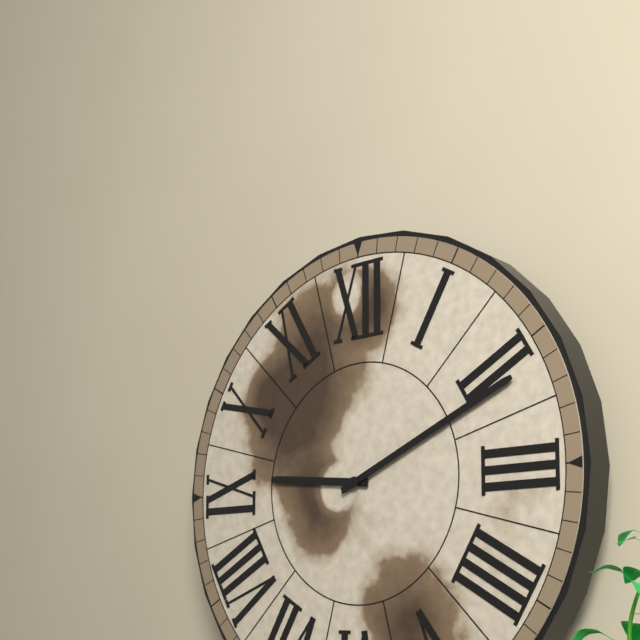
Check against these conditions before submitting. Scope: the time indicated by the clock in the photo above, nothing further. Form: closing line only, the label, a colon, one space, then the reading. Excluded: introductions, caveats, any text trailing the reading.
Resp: 9:11
